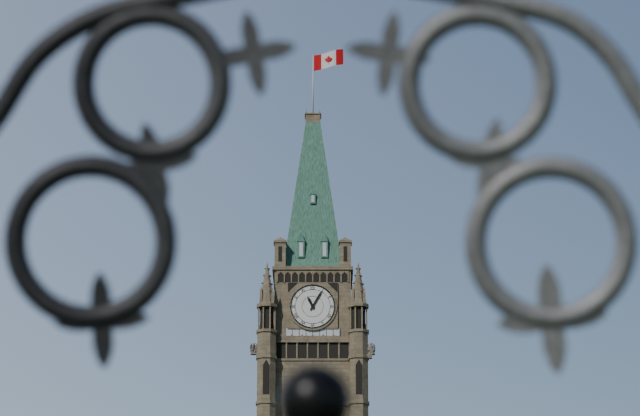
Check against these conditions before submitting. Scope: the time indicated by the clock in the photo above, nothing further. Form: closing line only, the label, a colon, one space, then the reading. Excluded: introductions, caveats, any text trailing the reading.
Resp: 11:05
